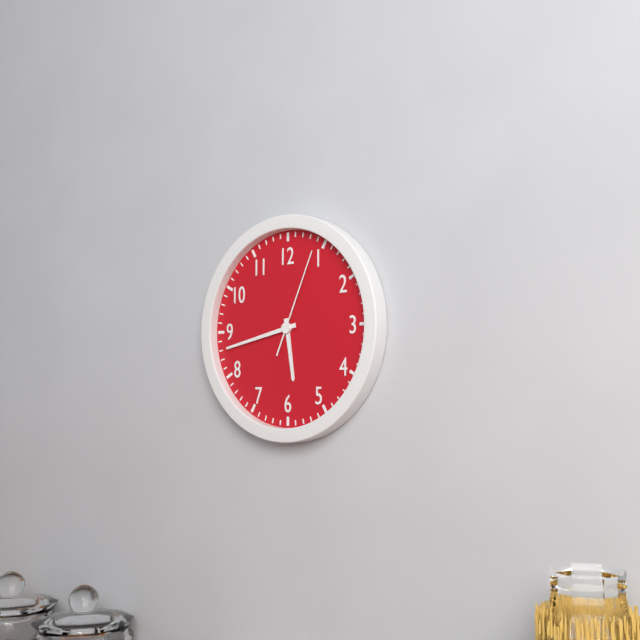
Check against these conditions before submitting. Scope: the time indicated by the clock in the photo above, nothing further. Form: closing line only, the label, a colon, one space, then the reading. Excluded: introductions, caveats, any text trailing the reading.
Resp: 5:43:04
